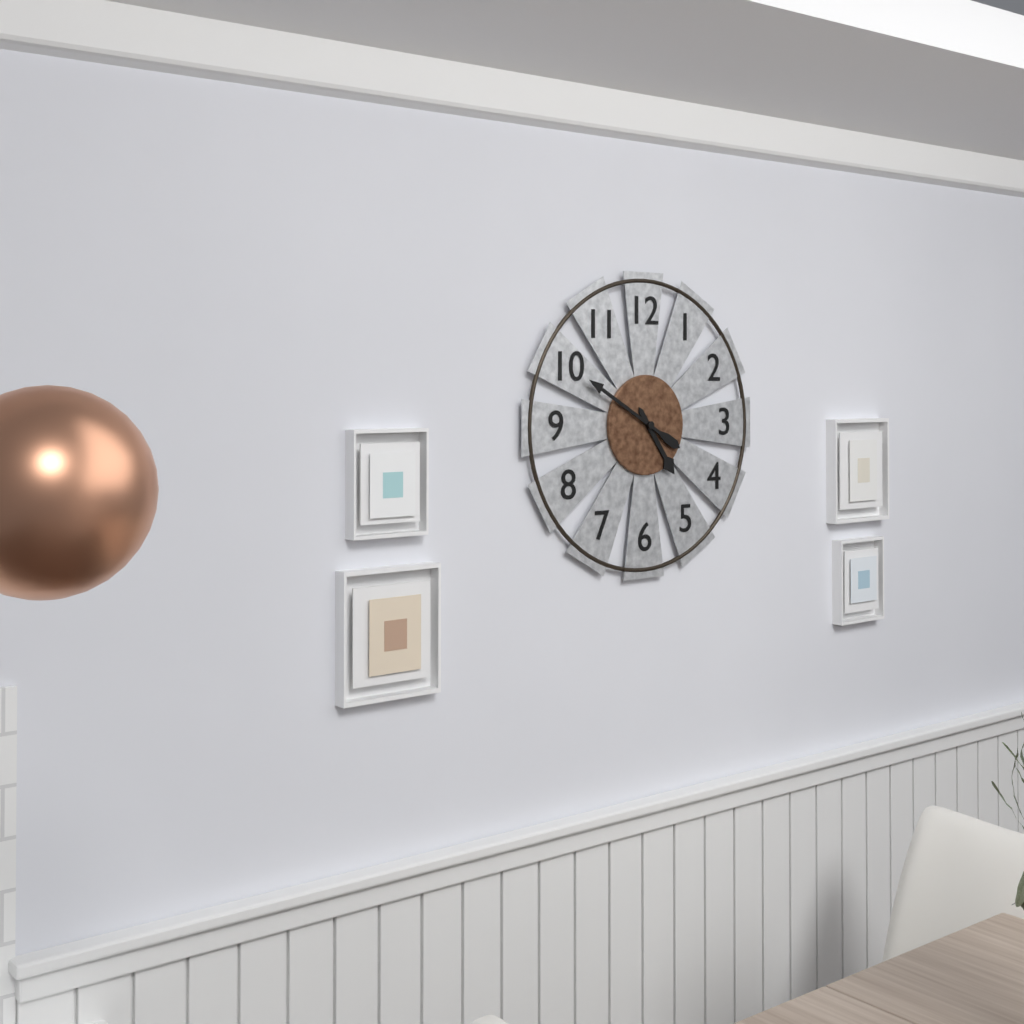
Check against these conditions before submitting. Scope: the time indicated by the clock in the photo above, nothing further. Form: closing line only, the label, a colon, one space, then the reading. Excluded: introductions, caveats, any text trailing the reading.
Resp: 4:50
